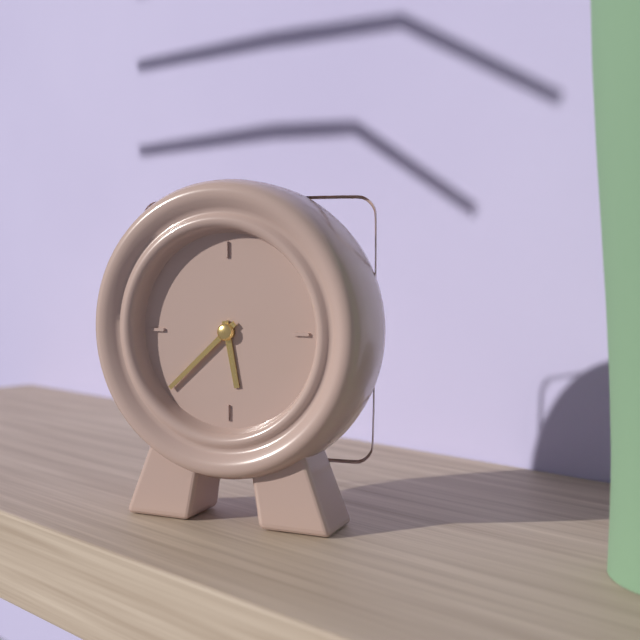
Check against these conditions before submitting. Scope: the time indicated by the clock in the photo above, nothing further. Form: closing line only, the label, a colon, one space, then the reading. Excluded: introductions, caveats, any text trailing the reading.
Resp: 5:38
